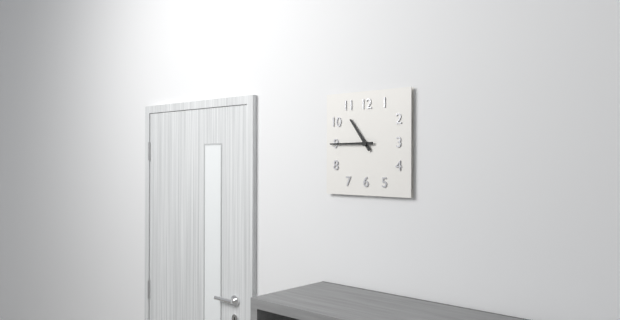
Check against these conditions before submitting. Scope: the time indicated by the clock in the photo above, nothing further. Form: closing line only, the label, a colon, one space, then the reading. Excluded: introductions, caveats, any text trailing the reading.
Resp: 10:45
